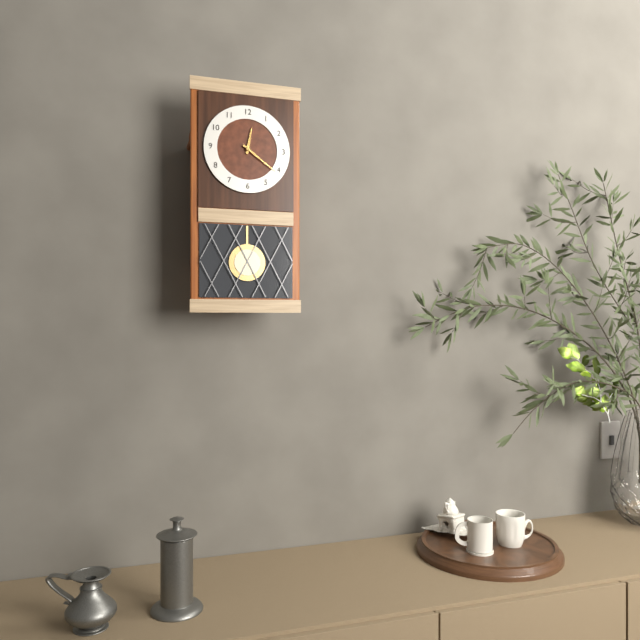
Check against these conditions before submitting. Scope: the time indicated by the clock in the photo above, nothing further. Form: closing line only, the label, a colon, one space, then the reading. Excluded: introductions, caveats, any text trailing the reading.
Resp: 12:21
